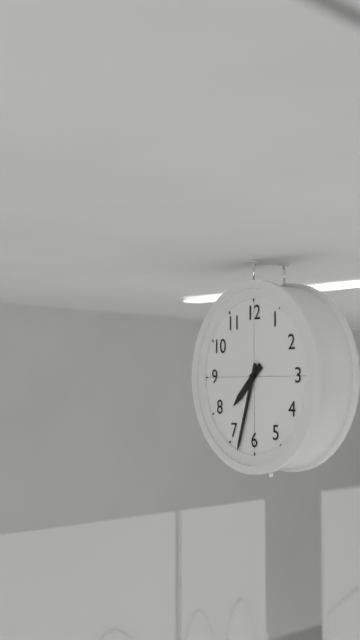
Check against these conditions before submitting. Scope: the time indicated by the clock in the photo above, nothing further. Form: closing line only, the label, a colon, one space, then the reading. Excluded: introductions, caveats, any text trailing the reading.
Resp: 7:33
